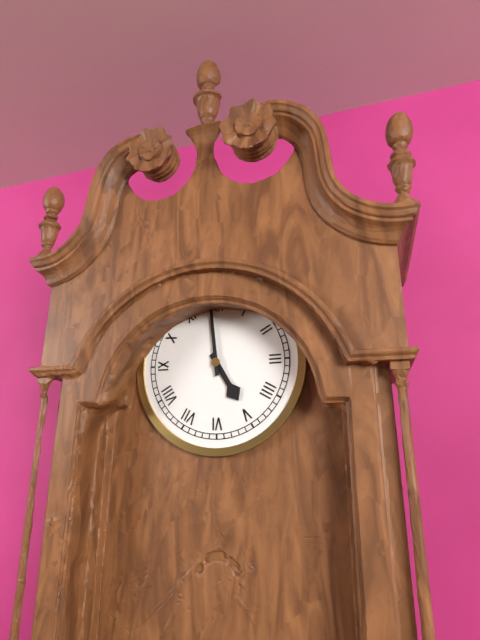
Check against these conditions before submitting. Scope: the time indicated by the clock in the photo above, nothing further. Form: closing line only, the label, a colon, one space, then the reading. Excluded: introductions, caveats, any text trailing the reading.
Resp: 4:59
